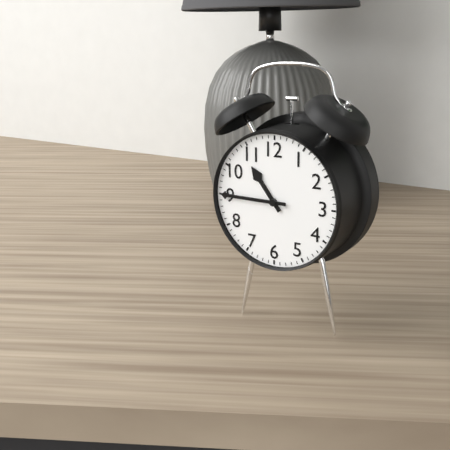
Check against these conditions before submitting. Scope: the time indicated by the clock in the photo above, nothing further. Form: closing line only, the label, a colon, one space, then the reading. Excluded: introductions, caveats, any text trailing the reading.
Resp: 10:45
